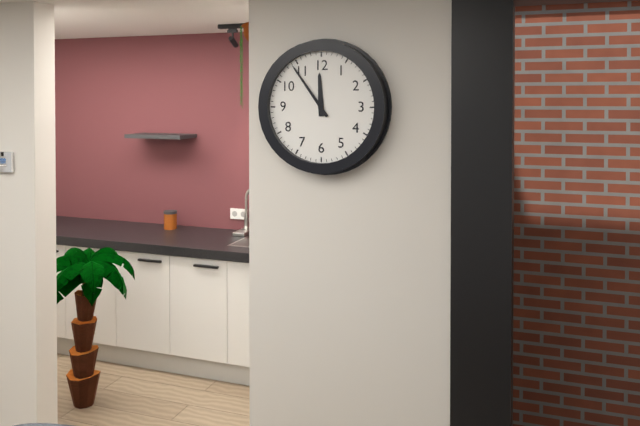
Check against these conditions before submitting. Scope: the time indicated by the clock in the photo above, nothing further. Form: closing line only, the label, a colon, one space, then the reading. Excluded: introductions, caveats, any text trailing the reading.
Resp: 11:54
